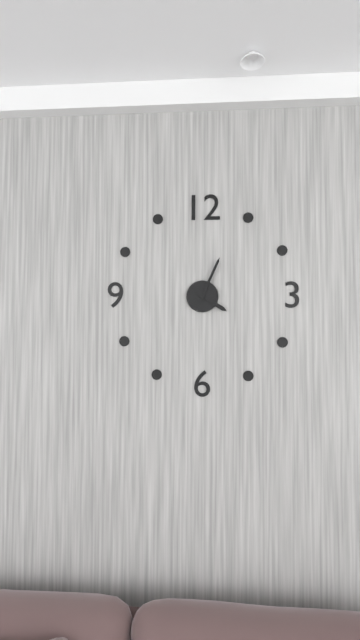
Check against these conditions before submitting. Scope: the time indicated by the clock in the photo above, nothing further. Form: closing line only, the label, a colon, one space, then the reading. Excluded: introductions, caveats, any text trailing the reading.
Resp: 4:04
